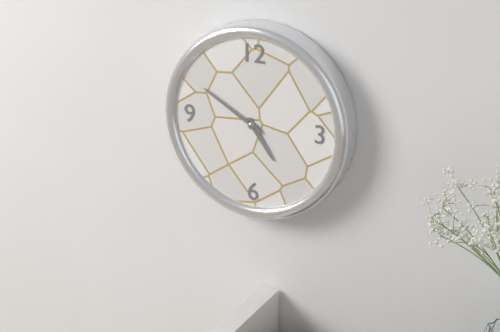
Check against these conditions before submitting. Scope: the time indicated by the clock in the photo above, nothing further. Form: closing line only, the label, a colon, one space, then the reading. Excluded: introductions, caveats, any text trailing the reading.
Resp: 4:50
